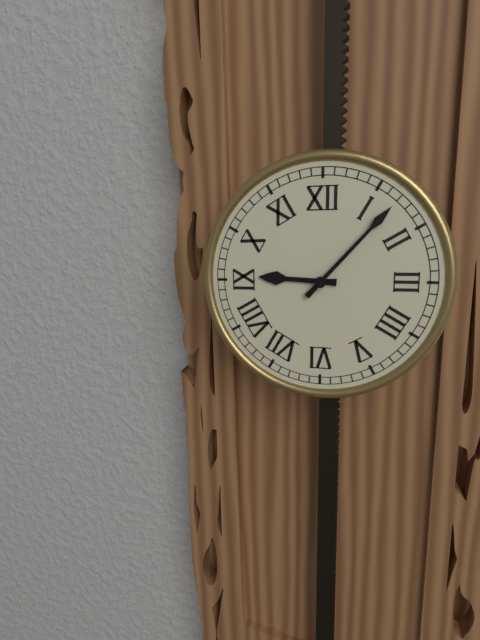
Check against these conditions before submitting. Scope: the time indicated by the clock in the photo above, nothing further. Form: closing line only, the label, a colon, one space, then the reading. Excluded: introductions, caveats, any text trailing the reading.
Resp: 9:07
